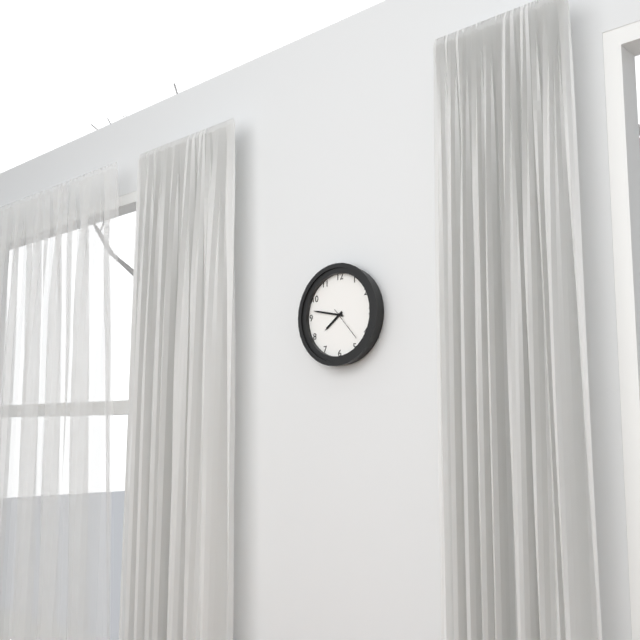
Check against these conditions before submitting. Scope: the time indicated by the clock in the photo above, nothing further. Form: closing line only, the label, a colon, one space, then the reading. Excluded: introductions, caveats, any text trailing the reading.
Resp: 7:47
